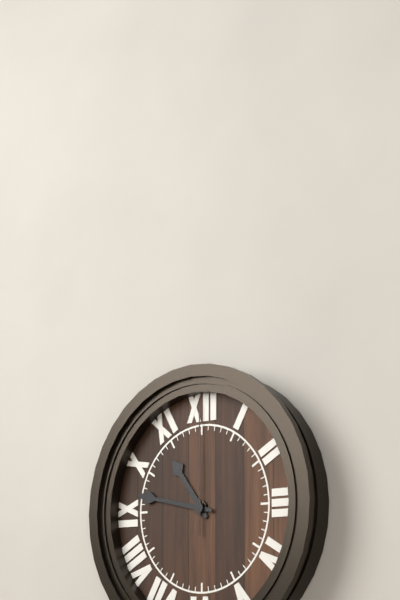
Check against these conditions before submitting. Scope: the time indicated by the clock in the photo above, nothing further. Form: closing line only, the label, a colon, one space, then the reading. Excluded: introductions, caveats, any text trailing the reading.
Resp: 10:47:00
